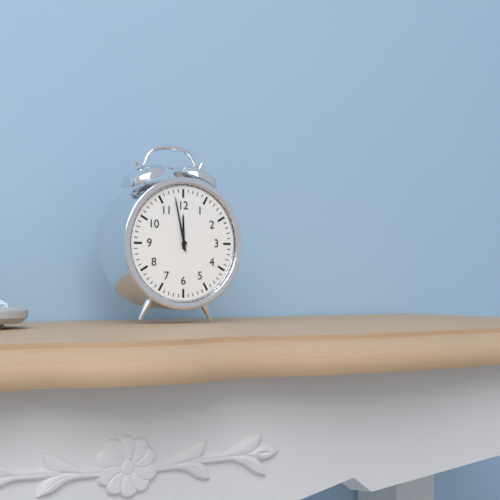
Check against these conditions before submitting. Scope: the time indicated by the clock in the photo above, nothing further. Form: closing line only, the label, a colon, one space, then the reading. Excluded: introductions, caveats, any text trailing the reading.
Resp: 11:58
